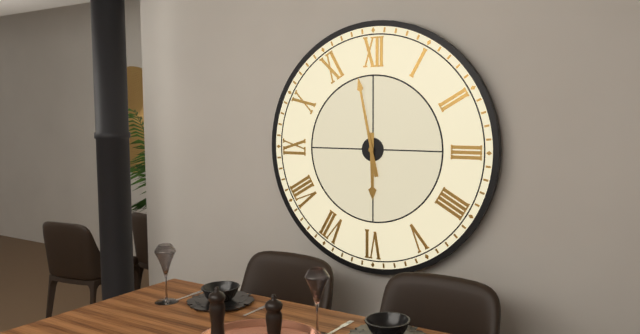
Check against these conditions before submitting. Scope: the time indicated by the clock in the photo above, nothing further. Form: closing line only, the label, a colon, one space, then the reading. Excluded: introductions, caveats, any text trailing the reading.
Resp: 5:58
